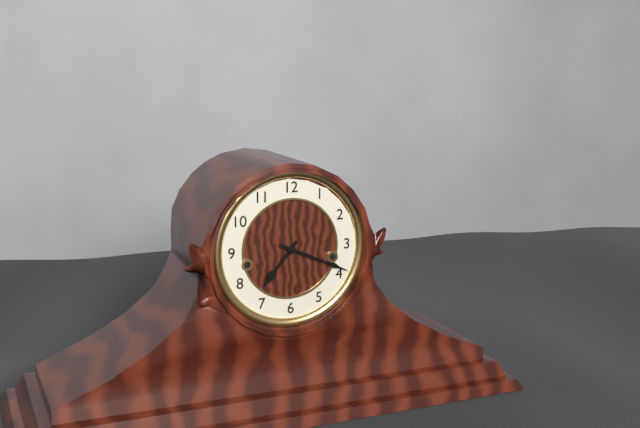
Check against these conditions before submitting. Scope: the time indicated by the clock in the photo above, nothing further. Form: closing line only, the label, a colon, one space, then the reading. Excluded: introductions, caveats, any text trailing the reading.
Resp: 7:19
